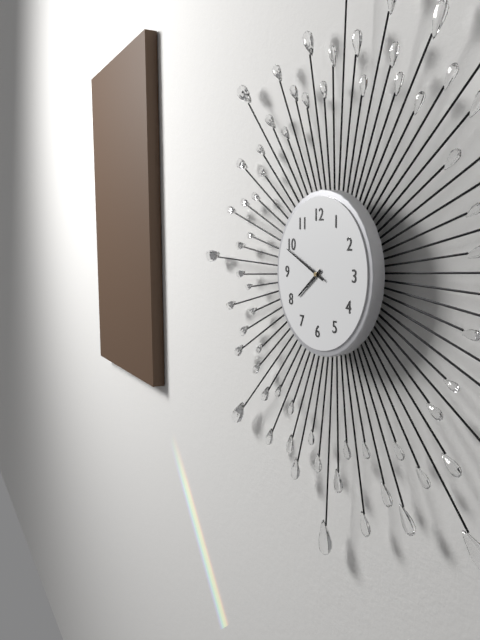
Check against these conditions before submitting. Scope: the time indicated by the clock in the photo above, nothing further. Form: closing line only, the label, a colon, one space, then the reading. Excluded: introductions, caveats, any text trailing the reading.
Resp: 7:49
